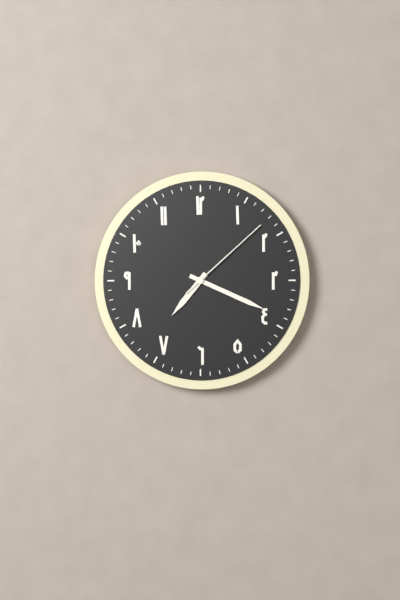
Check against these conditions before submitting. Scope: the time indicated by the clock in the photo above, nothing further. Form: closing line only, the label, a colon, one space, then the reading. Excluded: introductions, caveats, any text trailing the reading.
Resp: 7:19:08
